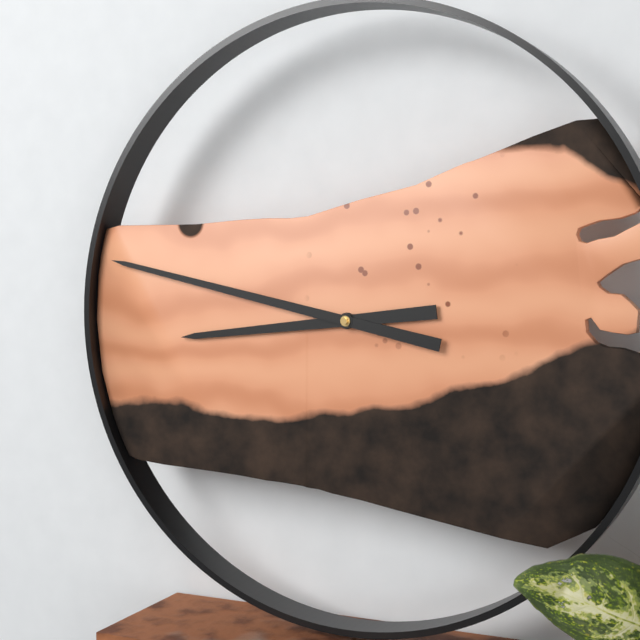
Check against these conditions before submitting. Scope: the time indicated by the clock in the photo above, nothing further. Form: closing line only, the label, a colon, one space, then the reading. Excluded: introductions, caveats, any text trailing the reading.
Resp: 8:47
